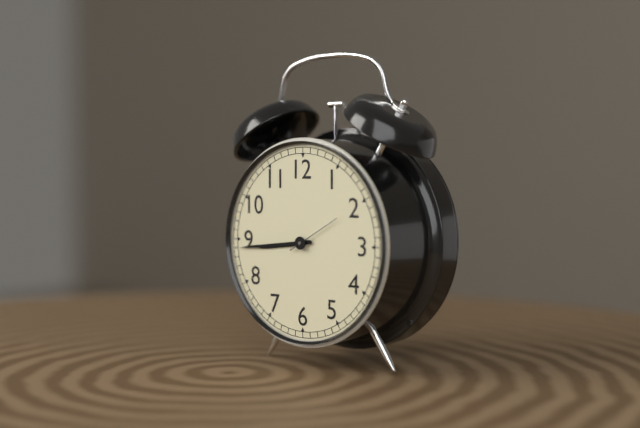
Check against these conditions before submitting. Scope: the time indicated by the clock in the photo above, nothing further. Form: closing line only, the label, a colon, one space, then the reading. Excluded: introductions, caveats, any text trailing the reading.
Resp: 8:44:10
